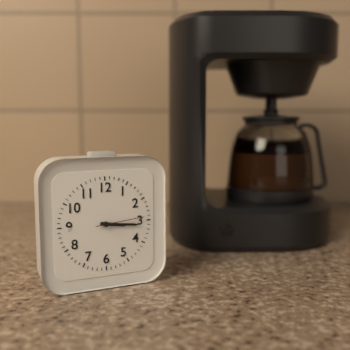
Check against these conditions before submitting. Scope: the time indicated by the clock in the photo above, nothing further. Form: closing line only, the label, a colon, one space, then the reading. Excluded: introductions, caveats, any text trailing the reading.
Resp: 3:16
